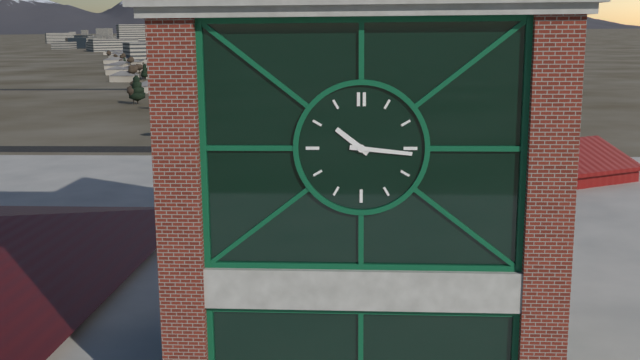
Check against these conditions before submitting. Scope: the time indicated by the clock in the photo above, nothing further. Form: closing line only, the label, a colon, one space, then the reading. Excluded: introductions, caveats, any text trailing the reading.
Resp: 10:16
